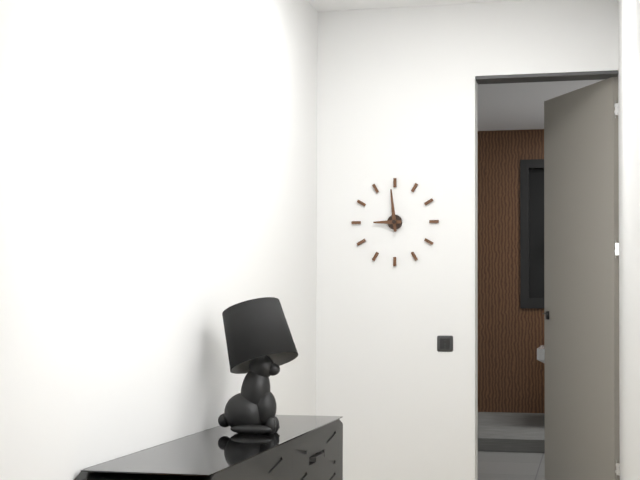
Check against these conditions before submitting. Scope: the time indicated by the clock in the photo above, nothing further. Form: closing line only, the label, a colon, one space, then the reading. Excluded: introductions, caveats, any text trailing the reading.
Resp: 8:59
